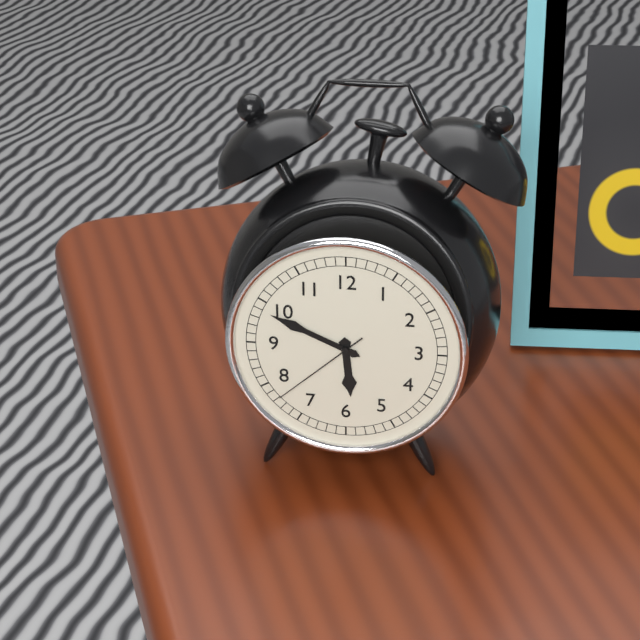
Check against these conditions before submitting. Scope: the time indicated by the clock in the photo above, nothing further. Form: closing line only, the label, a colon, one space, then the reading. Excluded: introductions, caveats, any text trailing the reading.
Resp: 5:49:38
